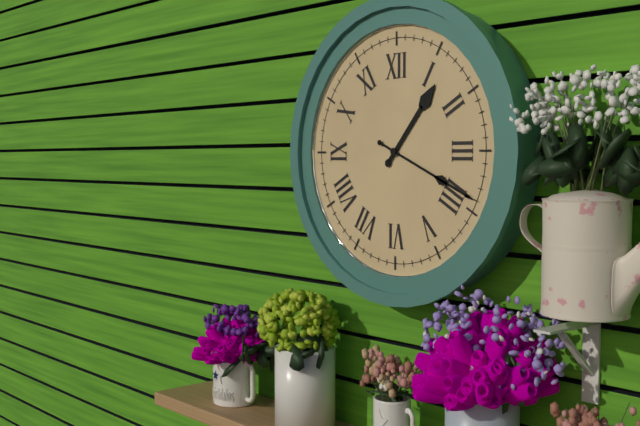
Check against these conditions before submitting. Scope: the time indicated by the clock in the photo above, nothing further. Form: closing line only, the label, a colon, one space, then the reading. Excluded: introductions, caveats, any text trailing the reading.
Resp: 1:19
